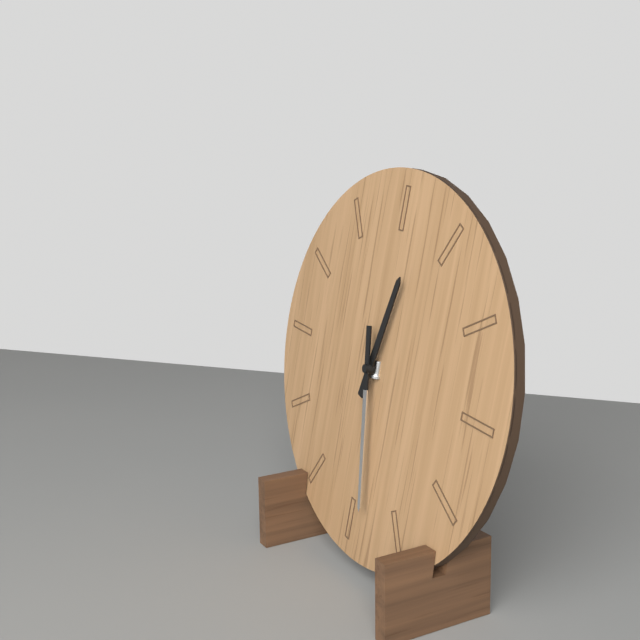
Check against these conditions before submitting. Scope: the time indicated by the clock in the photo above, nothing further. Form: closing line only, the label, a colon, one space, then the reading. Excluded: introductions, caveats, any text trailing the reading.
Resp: 12:28
